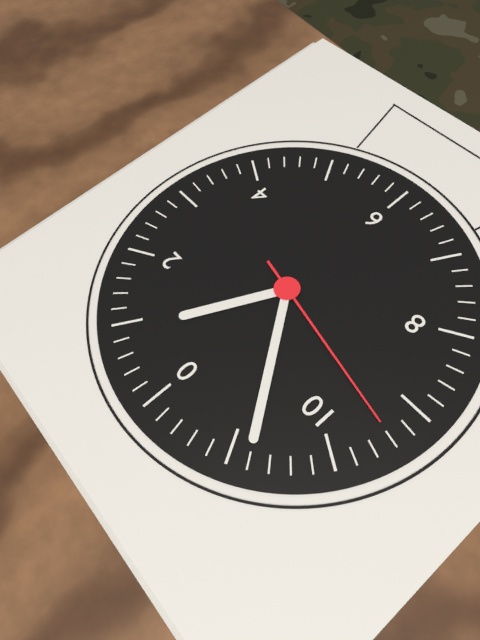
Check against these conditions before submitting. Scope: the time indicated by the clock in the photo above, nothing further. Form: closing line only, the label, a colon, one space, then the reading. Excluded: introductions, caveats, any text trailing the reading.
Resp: 12:54:47
